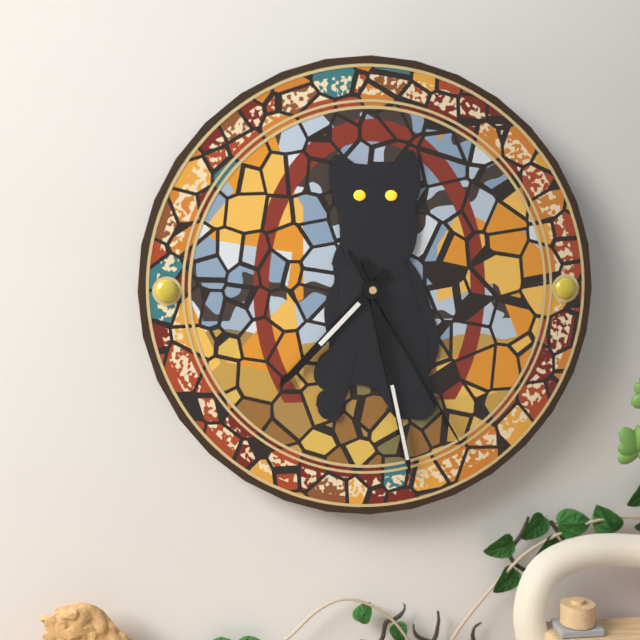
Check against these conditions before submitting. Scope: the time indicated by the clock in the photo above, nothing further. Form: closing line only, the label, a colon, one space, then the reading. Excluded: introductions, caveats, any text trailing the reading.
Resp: 7:28:25
